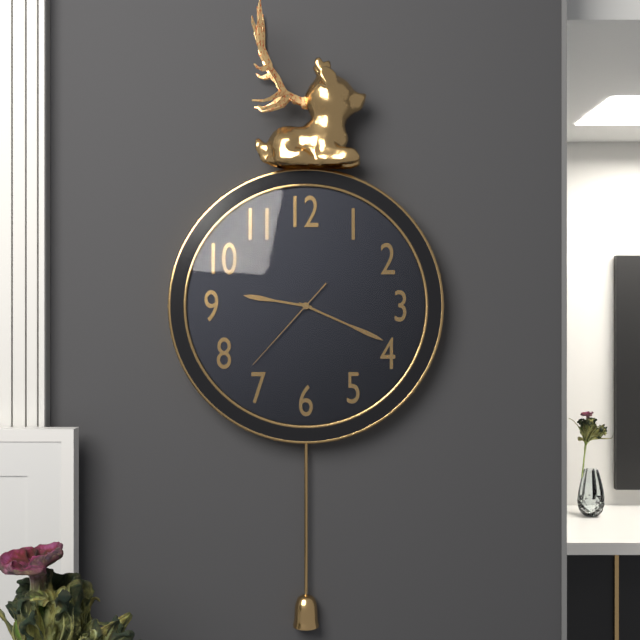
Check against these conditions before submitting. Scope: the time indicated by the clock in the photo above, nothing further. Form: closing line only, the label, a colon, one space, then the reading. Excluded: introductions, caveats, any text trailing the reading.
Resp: 9:19:37
